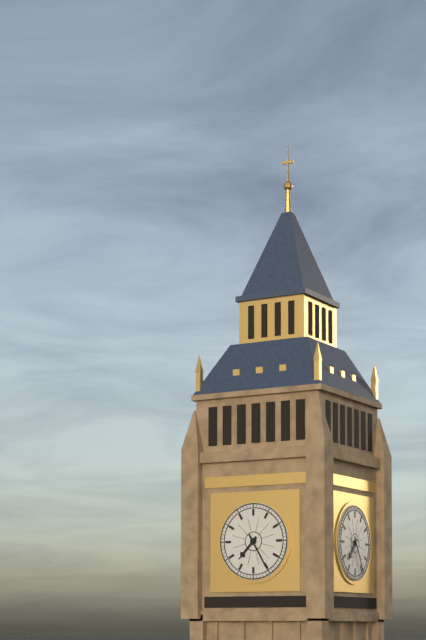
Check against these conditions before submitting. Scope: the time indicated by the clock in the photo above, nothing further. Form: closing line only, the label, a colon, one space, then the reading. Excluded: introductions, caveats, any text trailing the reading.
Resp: 7:25
